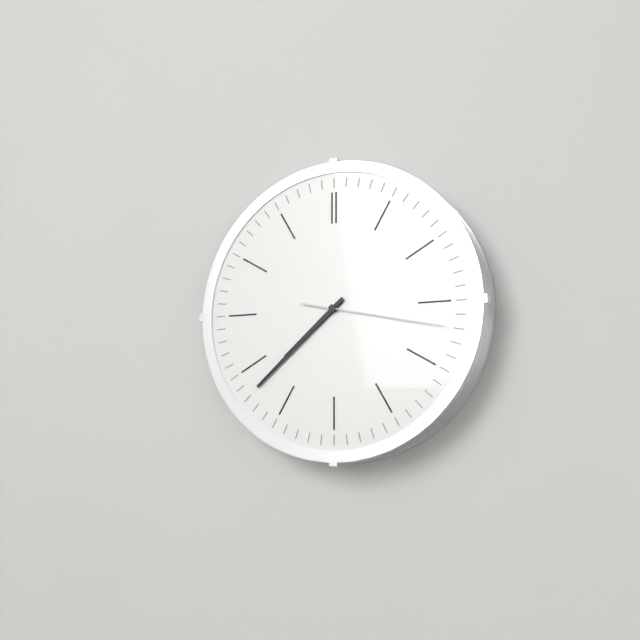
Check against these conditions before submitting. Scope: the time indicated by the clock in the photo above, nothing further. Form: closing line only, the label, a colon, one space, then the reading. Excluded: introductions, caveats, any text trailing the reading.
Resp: 7:38:17
